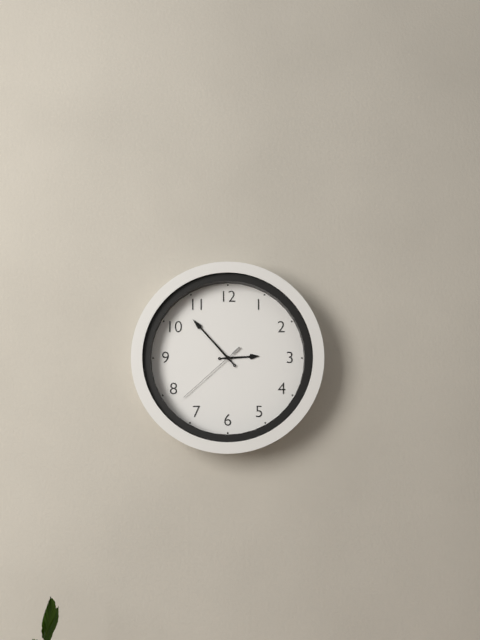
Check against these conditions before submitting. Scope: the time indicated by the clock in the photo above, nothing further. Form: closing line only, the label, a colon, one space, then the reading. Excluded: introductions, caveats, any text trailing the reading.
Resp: 2:53:38
